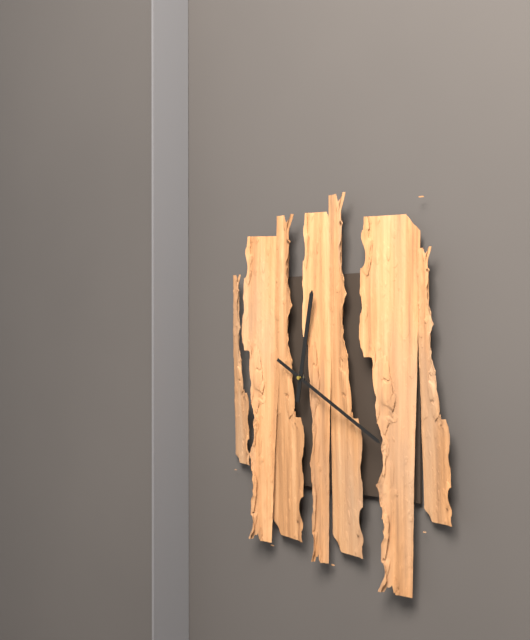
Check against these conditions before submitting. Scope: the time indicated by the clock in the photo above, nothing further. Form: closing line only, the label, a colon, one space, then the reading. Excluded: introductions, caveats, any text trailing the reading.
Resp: 12:20
